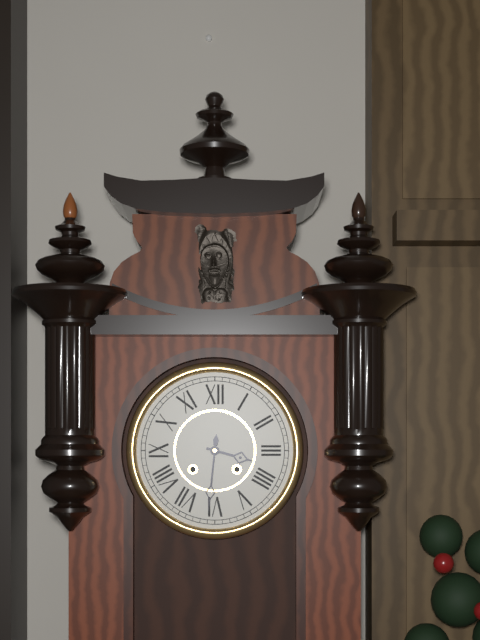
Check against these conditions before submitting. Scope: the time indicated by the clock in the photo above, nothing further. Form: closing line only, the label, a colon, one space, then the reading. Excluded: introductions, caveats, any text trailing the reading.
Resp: 3:31
